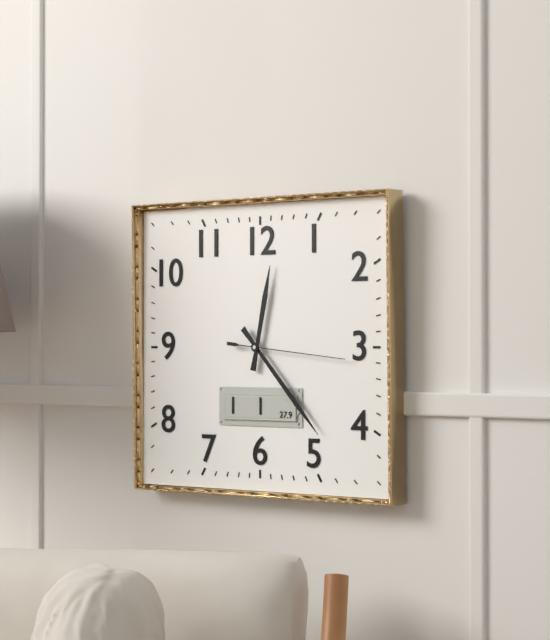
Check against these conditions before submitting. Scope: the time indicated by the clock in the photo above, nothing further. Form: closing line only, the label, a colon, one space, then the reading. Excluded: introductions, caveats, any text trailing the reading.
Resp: 12:23:16
